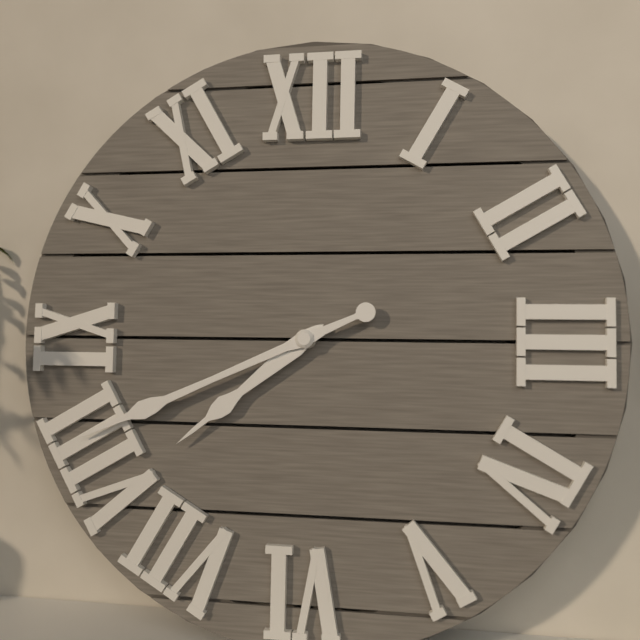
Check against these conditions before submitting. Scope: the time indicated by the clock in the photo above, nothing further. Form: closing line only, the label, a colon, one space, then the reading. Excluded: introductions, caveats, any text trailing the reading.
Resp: 7:41
